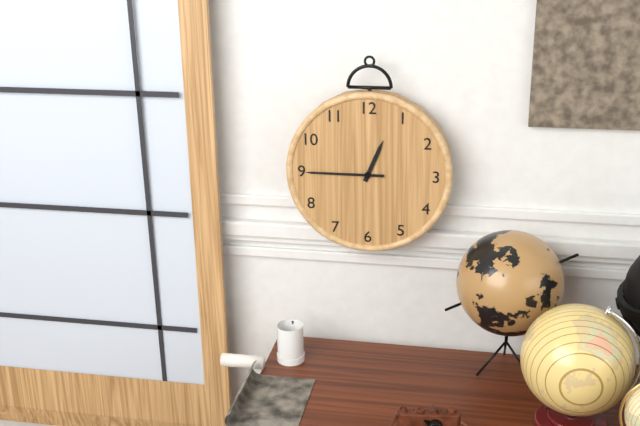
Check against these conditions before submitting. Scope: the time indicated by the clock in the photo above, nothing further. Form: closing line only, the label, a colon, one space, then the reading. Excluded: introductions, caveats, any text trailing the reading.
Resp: 12:45
